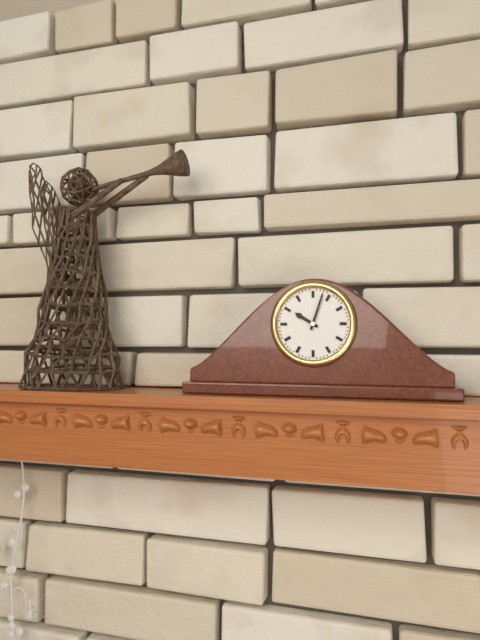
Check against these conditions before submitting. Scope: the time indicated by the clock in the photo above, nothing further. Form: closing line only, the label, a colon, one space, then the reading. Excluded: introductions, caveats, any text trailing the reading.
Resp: 10:03
